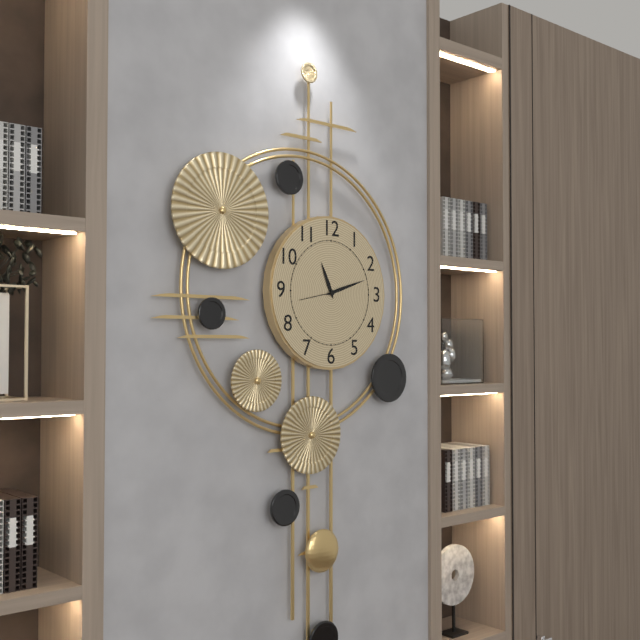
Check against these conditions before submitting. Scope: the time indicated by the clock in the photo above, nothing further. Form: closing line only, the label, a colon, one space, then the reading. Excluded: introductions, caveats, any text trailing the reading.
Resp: 11:12
